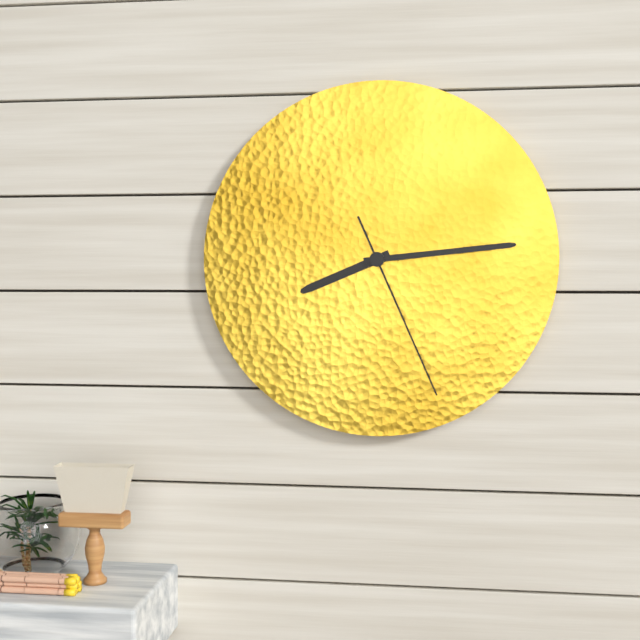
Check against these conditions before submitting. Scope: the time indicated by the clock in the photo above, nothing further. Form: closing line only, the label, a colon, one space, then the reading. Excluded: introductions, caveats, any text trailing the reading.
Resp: 8:14:26
